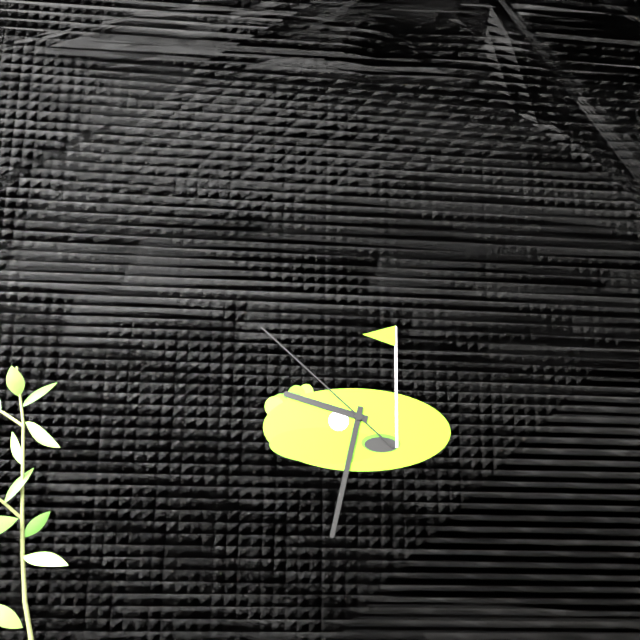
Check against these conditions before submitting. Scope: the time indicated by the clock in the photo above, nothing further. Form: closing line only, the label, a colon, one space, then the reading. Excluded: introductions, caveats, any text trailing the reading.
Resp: 9:32:52
